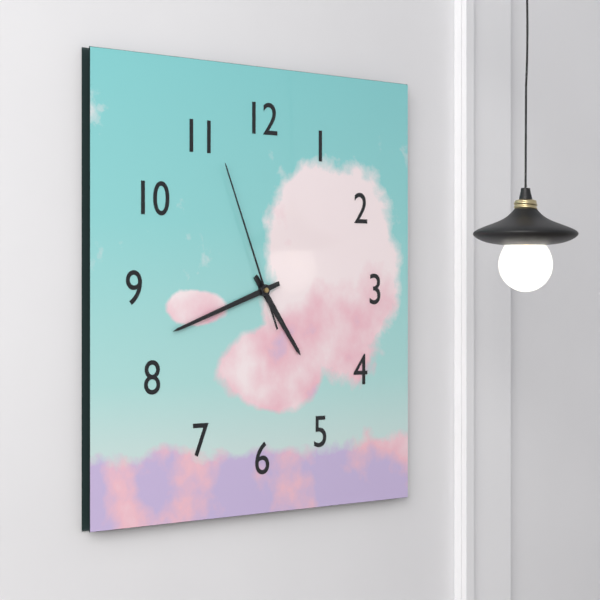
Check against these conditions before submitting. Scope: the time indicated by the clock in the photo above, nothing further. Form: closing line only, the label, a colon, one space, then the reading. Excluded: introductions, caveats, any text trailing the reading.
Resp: 4:42:56
